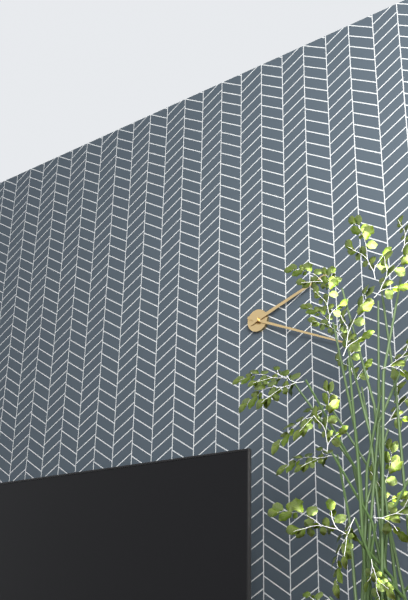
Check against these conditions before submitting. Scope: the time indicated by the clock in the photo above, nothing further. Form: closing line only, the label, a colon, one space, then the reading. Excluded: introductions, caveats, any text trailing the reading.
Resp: 2:19
